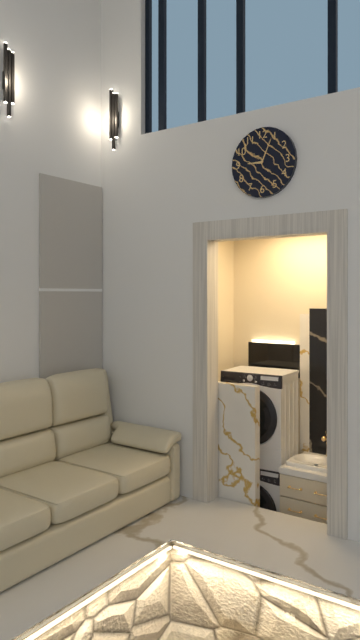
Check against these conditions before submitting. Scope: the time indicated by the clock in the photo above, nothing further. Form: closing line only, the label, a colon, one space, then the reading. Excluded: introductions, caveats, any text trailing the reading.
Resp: 9:04
